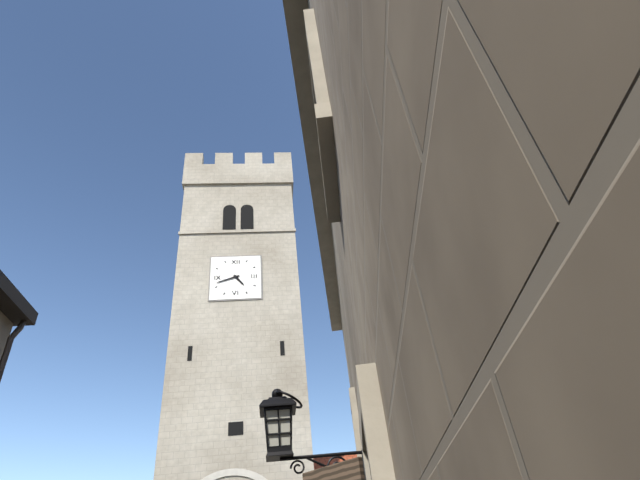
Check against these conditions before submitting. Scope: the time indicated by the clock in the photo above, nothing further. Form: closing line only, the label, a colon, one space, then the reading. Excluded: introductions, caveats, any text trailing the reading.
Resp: 4:42
